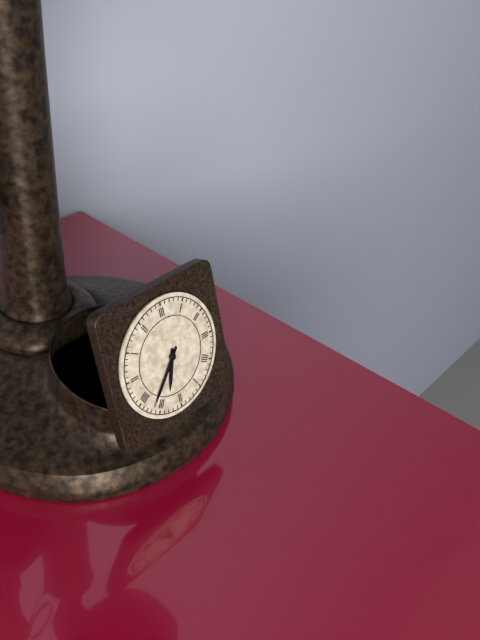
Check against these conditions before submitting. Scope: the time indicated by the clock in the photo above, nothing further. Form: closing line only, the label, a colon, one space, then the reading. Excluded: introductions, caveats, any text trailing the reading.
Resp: 6:37
